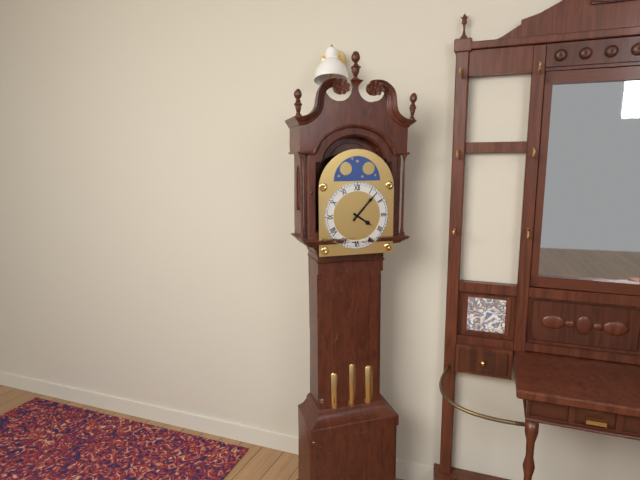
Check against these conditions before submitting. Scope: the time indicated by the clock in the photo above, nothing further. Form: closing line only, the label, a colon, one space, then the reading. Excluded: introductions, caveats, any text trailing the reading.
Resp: 4:07
